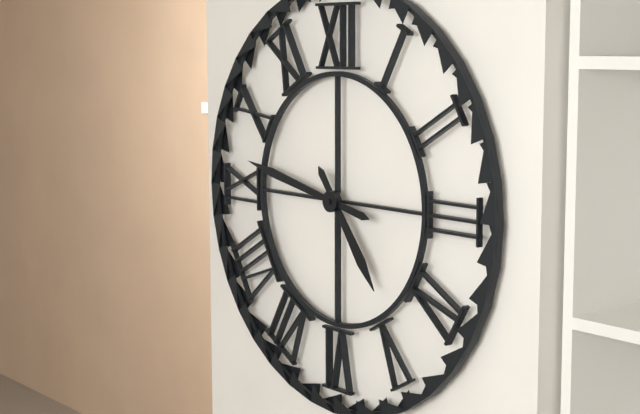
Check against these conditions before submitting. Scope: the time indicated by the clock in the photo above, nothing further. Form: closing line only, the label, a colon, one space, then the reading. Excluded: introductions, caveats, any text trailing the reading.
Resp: 4:47
